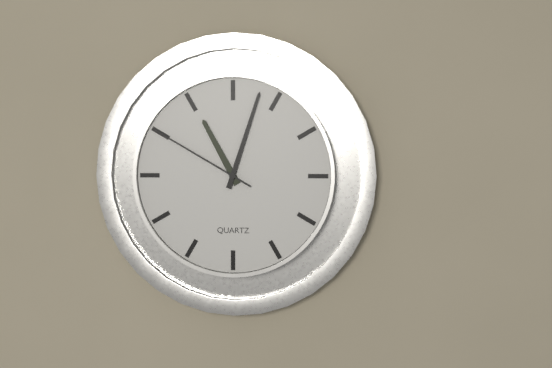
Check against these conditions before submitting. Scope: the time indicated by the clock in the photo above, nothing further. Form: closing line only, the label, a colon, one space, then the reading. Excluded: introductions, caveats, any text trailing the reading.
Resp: 11:03:50
